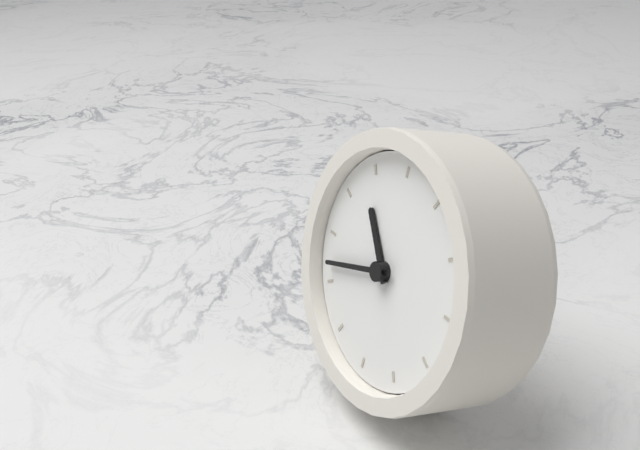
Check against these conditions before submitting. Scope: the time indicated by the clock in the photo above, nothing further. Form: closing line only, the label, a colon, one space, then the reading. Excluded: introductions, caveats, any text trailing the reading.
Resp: 10:42
